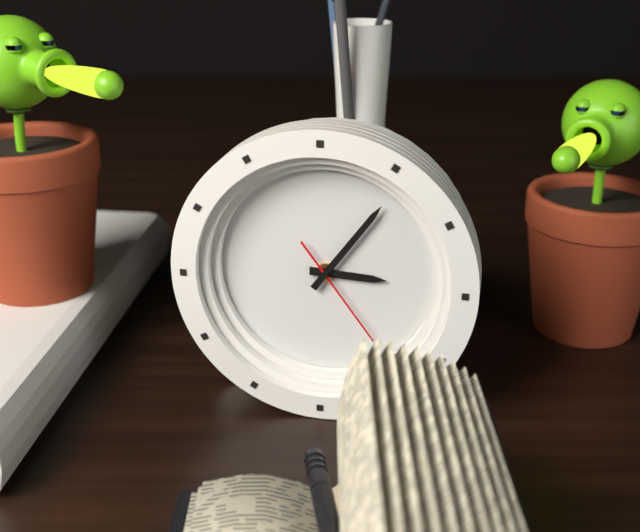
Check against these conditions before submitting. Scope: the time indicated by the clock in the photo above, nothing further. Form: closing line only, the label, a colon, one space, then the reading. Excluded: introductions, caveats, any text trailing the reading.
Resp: 3:06:24
